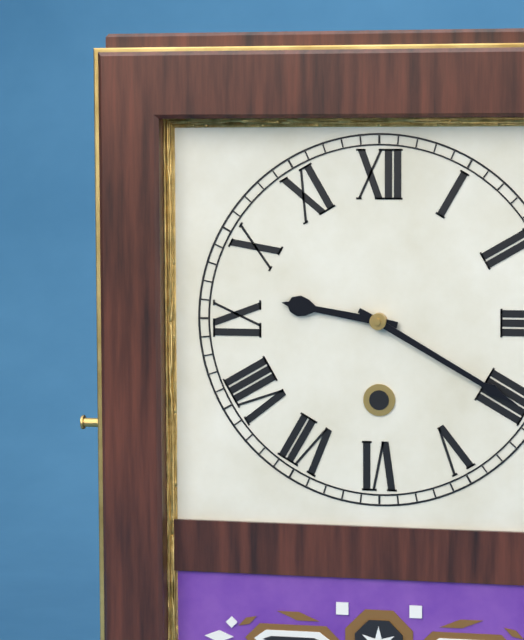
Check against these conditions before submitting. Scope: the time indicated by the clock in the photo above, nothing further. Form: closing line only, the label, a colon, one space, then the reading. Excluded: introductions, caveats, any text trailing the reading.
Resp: 9:20
